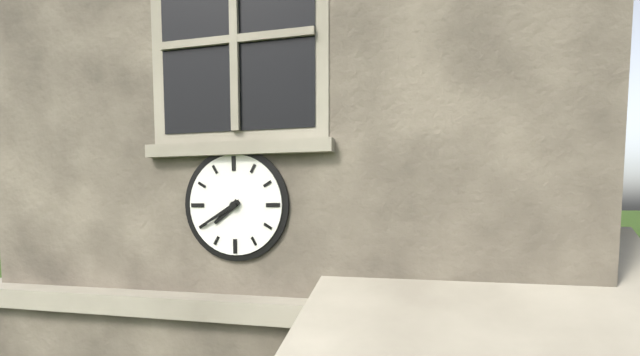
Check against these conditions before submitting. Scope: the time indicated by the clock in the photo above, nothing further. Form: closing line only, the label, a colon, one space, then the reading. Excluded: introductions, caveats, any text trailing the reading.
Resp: 7:40
